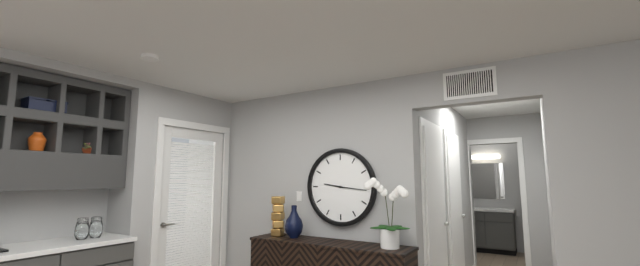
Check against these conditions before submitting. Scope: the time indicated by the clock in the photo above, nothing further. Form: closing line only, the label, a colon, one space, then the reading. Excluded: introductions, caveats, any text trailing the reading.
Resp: 9:16
